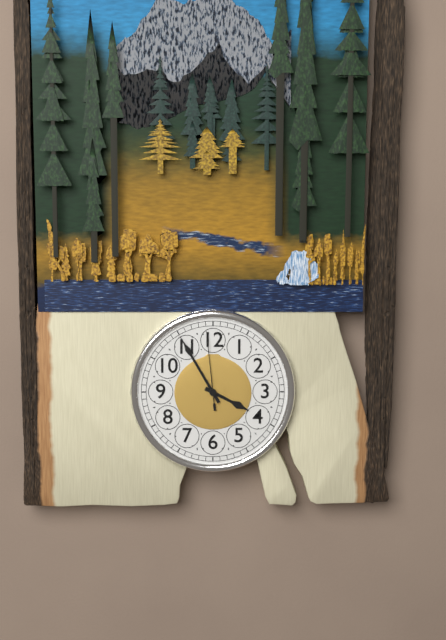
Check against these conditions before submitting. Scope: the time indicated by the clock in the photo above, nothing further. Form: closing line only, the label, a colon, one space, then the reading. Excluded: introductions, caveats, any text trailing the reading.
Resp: 3:55:59
